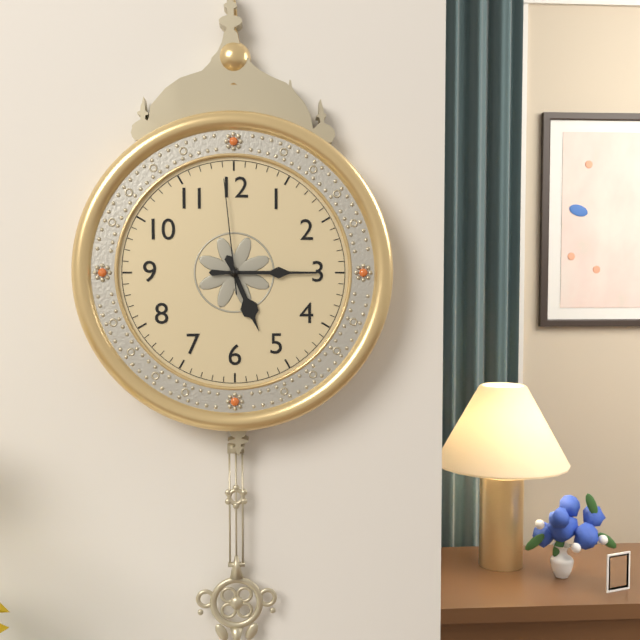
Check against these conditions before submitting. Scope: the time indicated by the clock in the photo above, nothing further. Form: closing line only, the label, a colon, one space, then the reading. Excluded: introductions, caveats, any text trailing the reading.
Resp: 5:15:59
